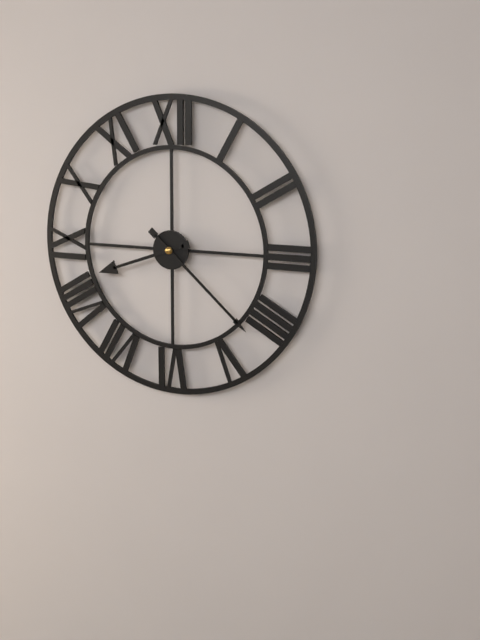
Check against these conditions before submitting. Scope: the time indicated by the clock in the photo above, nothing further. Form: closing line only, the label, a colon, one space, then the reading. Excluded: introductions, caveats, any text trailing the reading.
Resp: 8:22
